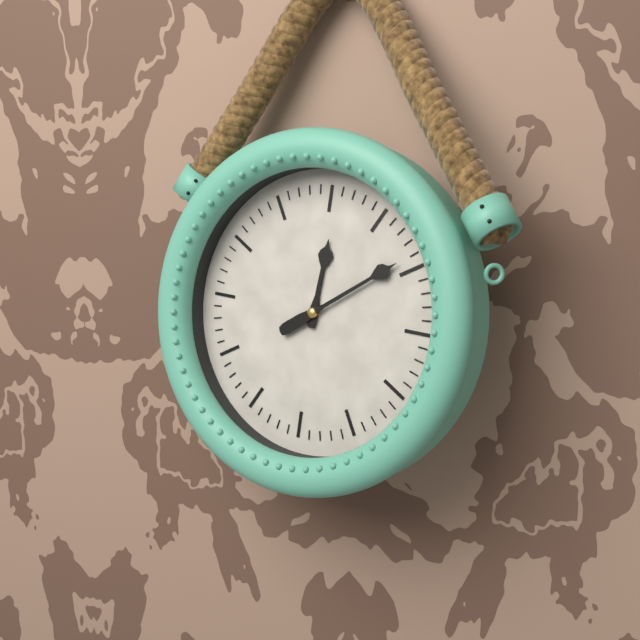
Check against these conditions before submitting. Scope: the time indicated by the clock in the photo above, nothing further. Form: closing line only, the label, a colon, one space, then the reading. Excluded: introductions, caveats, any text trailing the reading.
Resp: 12:09
